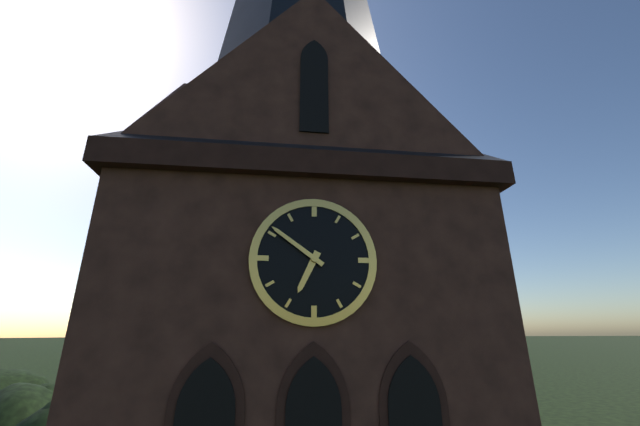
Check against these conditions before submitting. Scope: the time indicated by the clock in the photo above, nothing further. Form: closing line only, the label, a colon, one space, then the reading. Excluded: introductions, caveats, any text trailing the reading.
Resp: 6:51
